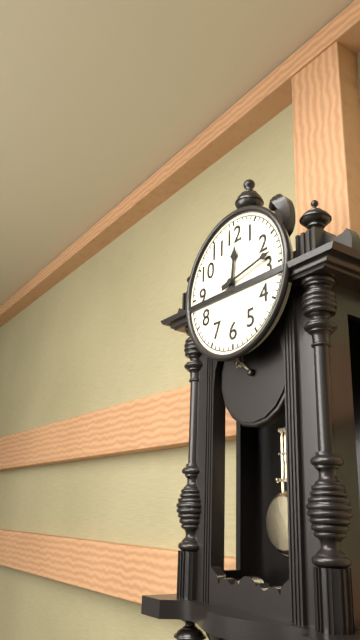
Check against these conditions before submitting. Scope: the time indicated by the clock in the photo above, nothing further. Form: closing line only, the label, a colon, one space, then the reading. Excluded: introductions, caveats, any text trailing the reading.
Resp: 12:13
